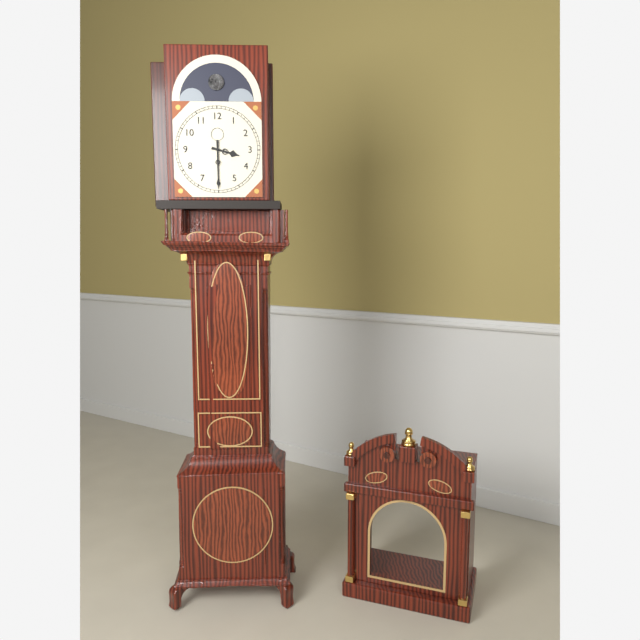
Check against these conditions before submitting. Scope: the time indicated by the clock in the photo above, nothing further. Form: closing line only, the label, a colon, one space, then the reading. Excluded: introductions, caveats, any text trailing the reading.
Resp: 3:30
